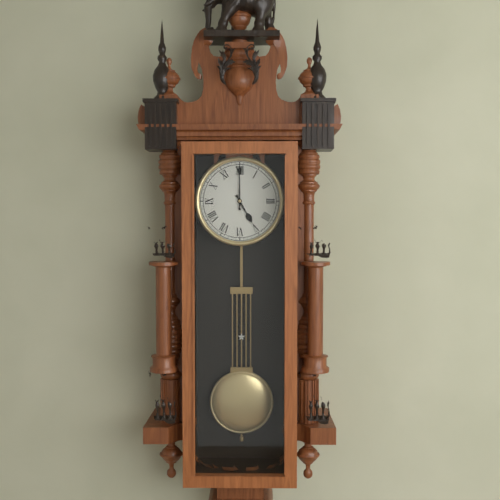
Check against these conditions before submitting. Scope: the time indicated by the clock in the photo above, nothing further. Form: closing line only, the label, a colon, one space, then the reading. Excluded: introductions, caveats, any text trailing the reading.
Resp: 5:00
